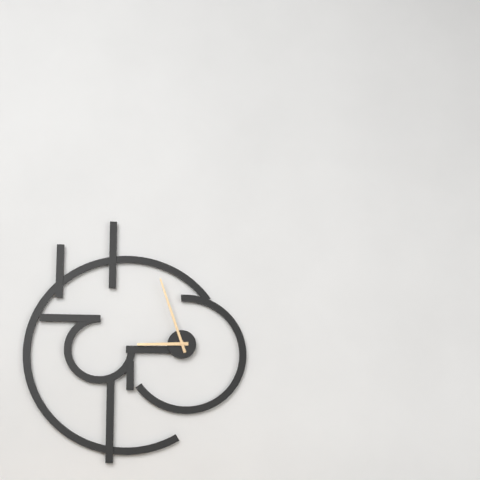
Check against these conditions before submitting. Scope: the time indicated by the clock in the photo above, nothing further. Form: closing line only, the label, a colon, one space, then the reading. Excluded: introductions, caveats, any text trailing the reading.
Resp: 8:57
